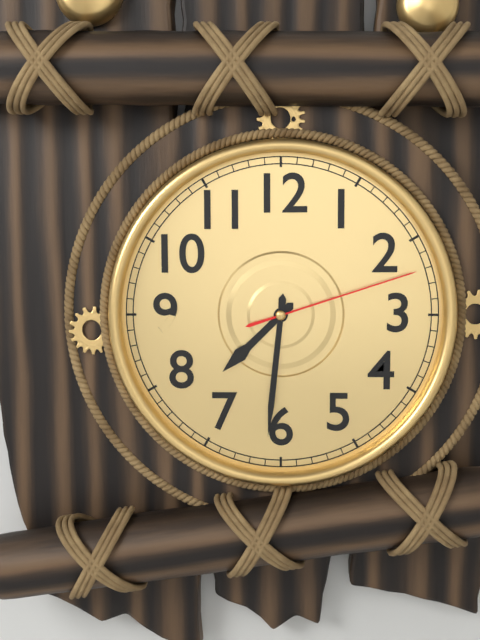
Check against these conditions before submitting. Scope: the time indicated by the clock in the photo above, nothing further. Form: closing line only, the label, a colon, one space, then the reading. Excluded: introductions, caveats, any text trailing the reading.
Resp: 7:31:12
